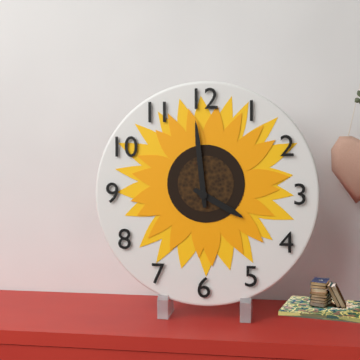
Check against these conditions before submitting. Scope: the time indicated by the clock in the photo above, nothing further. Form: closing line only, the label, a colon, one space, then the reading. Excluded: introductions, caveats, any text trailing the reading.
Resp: 3:59
